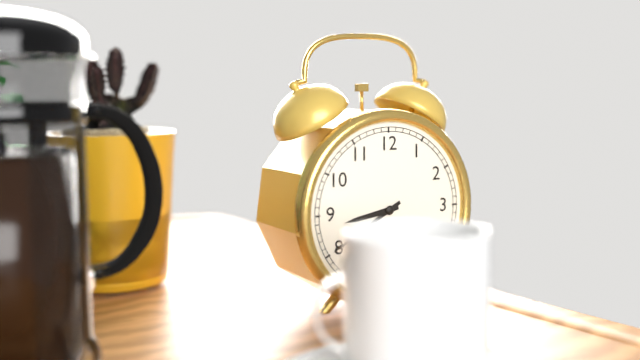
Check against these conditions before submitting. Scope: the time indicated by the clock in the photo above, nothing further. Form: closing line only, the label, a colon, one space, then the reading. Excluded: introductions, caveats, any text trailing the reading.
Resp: 8:40
